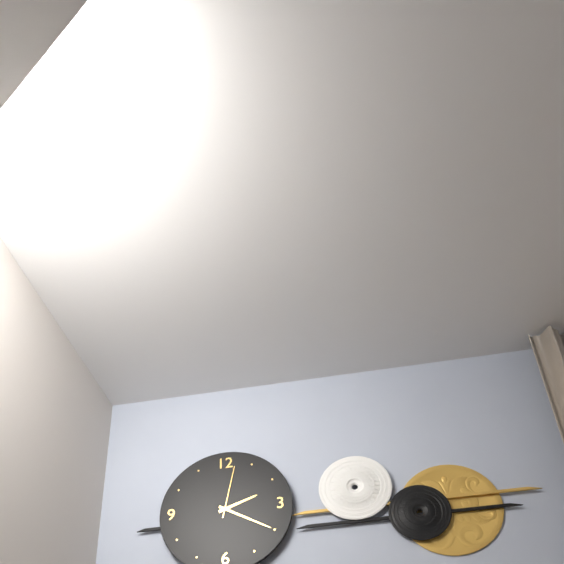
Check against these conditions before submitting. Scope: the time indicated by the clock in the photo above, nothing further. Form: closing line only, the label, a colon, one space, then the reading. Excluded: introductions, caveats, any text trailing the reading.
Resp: 2:20:02
